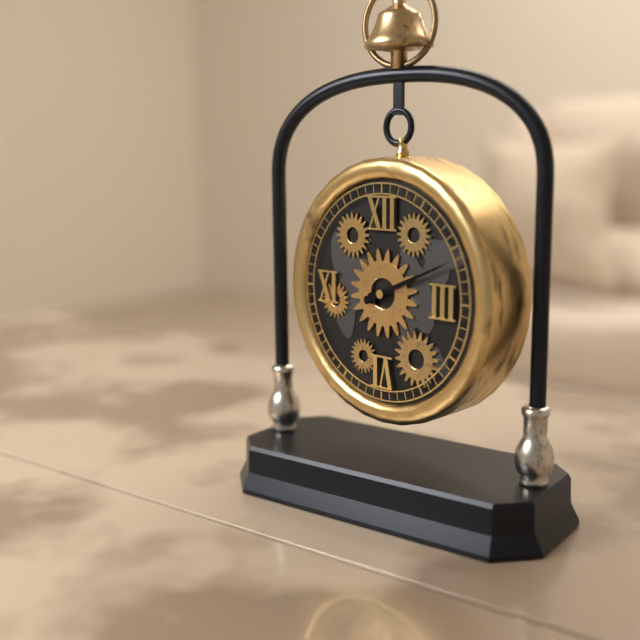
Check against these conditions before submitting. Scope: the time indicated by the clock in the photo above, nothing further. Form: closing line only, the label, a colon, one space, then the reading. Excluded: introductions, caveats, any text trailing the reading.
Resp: 2:11
